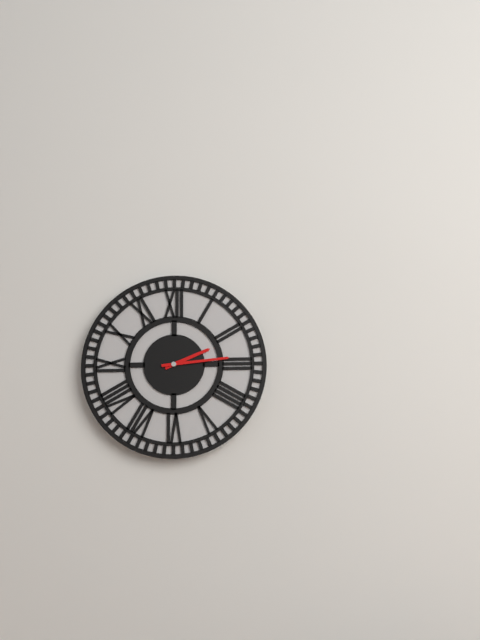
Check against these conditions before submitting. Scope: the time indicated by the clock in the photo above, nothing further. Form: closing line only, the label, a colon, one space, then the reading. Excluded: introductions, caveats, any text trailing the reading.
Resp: 2:14
